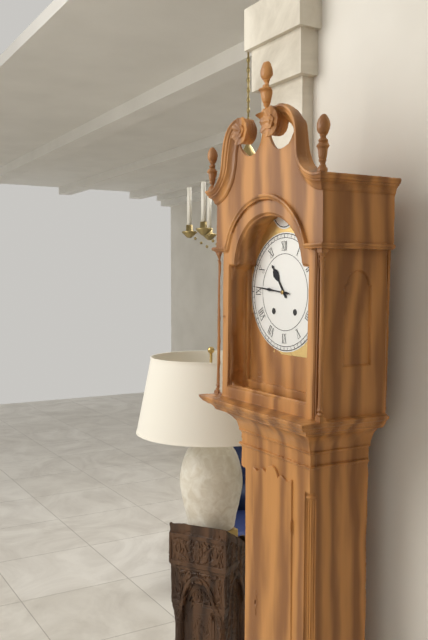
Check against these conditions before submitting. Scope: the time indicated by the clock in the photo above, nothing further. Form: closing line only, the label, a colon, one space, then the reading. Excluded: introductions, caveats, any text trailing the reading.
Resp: 10:46
